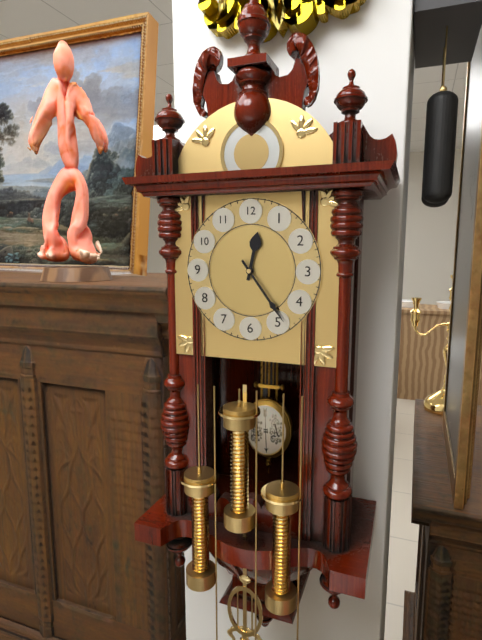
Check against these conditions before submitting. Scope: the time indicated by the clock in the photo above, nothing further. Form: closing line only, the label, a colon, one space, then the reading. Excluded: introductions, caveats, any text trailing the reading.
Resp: 12:24
